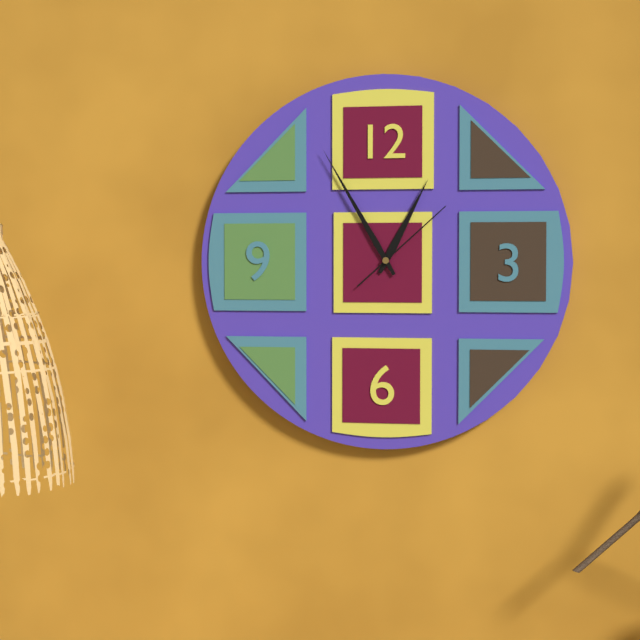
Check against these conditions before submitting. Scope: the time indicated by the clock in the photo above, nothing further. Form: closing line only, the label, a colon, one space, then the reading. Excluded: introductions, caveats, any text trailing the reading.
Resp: 12:55:08
